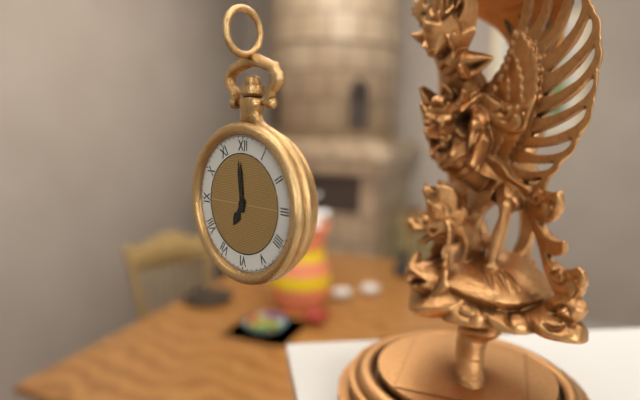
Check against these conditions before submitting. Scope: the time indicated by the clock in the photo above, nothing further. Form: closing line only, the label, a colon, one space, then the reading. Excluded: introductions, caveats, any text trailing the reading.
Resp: 6:59
